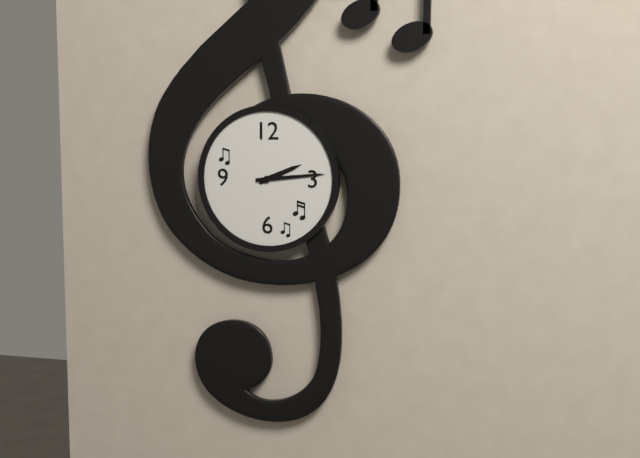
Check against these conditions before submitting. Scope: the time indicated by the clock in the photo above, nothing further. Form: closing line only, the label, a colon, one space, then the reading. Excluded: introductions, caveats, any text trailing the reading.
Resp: 2:14
